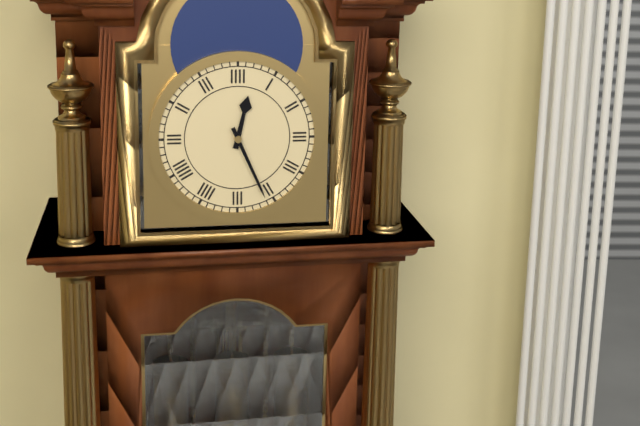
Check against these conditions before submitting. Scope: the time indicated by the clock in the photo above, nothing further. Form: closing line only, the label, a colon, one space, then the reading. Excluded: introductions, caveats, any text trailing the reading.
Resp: 12:26
